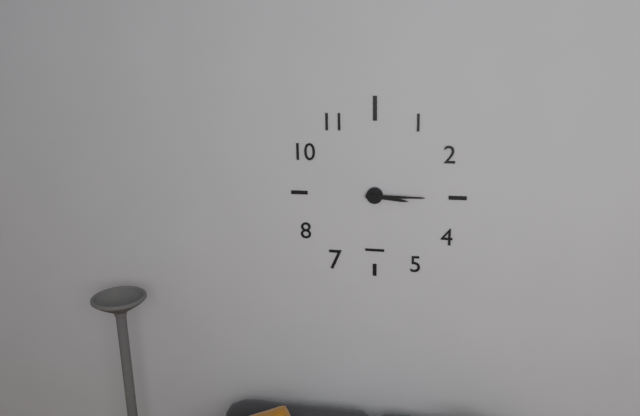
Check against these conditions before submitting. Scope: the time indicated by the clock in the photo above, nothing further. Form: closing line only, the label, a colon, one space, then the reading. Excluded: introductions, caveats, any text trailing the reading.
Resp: 3:15
